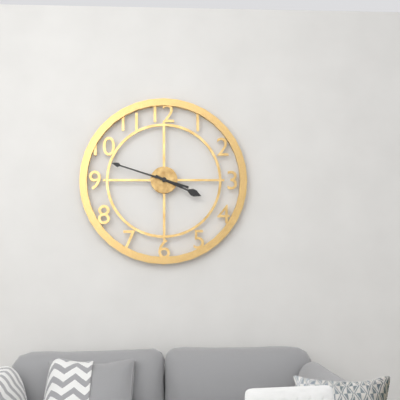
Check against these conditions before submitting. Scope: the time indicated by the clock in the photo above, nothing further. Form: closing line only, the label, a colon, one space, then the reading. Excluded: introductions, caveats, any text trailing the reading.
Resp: 3:48
